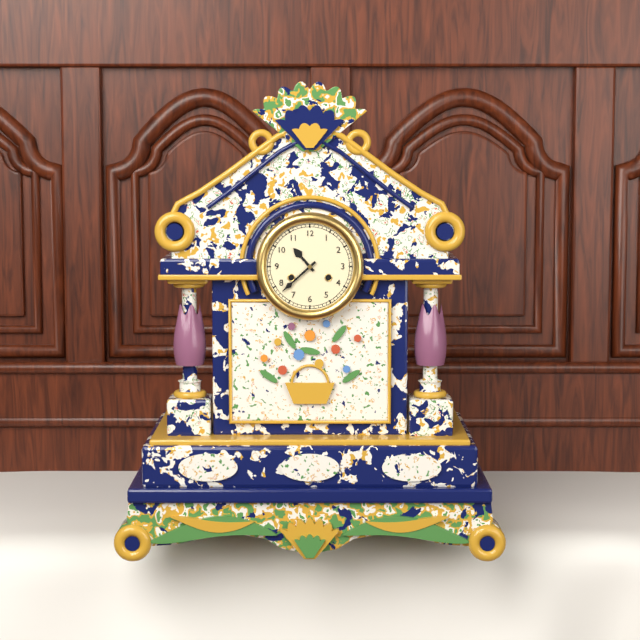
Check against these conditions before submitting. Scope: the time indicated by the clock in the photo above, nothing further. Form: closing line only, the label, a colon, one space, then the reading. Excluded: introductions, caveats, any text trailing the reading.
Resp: 10:38
